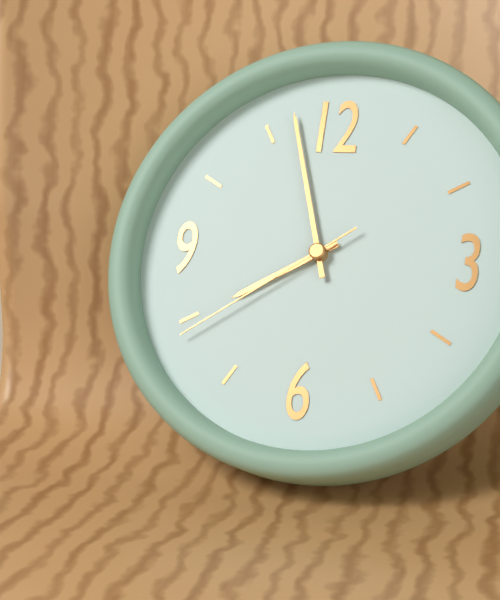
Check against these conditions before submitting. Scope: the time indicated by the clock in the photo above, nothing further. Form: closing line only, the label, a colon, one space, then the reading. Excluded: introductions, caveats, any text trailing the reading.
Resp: 7:57:39
